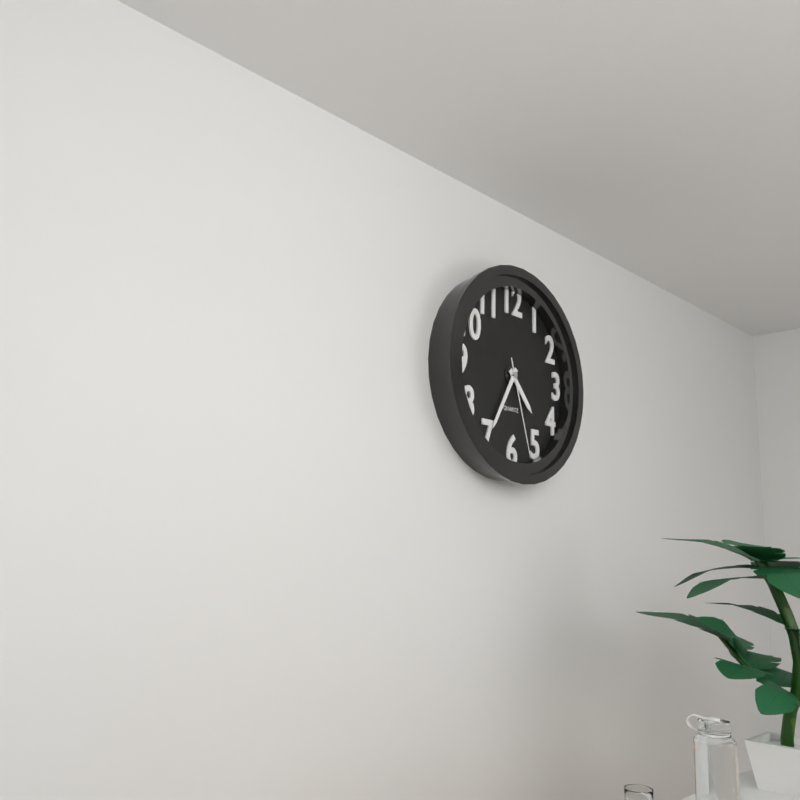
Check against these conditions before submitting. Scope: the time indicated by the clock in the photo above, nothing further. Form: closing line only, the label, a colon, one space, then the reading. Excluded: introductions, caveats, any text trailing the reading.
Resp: 4:35:27
